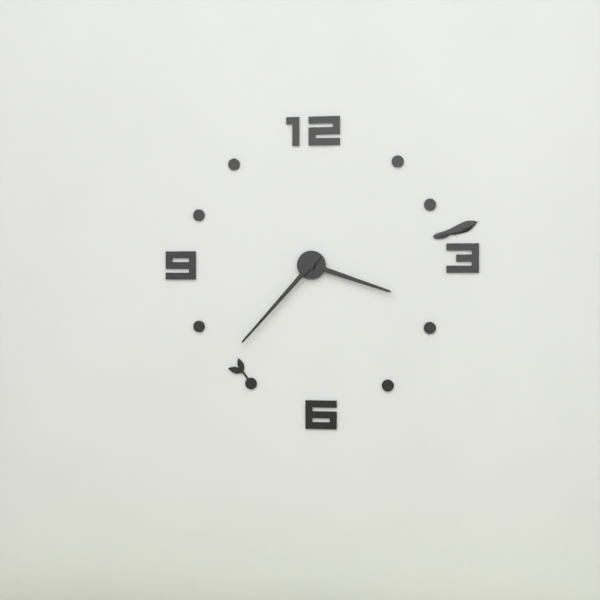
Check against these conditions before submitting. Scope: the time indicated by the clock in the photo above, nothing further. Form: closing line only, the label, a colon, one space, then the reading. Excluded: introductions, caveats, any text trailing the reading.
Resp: 3:37
